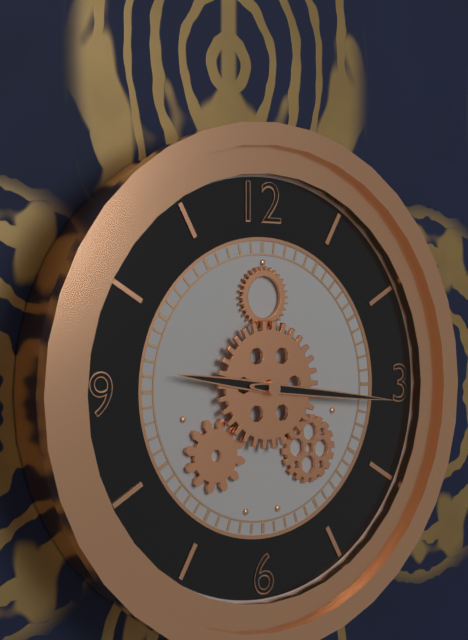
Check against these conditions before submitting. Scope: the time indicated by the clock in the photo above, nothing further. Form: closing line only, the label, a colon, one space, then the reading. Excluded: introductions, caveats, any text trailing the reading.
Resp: 9:16
